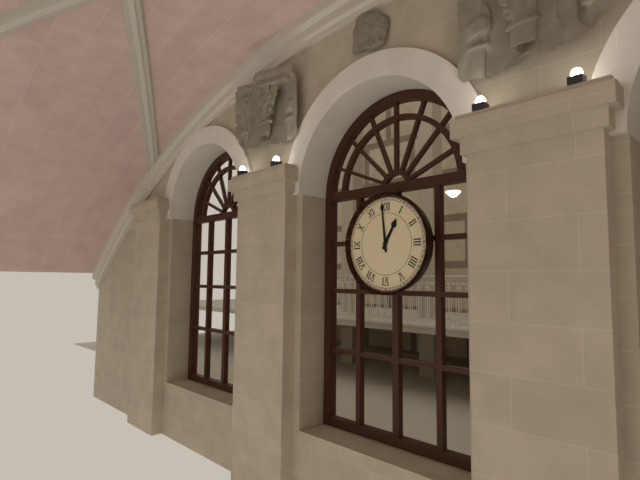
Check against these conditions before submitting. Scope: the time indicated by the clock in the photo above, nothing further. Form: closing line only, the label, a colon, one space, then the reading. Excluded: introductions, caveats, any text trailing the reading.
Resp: 12:59
